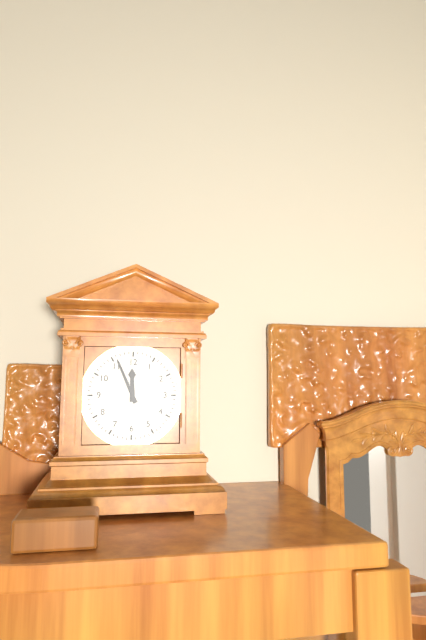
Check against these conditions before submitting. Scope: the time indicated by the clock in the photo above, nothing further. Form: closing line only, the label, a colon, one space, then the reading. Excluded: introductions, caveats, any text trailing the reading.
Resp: 11:56
